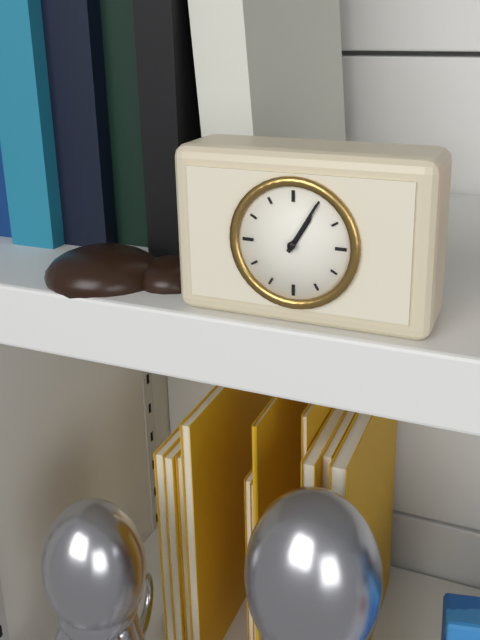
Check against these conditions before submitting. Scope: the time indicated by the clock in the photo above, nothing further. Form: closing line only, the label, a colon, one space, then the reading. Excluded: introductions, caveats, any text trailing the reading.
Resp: 1:05
